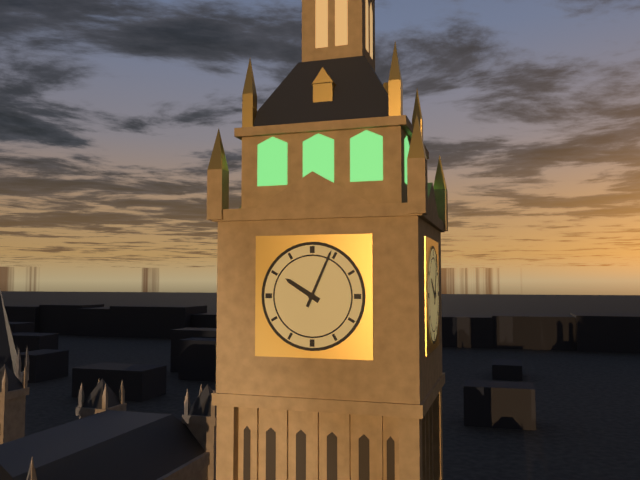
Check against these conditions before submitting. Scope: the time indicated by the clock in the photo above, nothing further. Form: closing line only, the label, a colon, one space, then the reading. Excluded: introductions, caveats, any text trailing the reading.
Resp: 10:04
